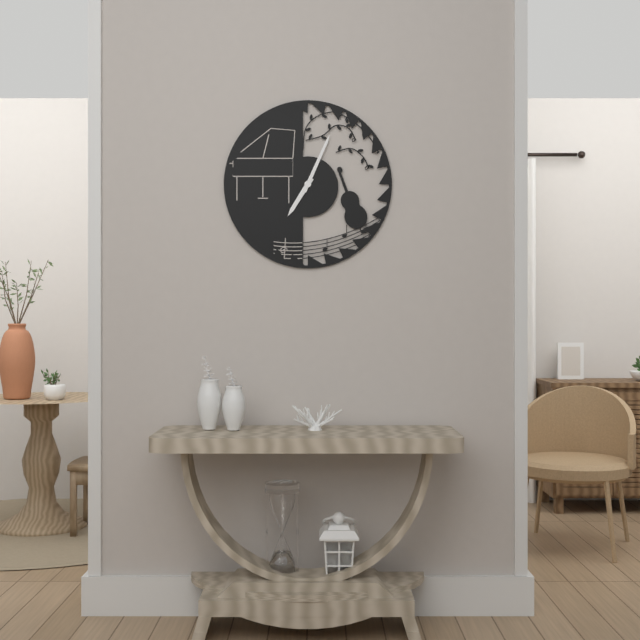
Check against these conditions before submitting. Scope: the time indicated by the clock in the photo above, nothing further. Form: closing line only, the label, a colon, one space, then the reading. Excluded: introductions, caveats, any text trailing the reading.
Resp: 7:04
